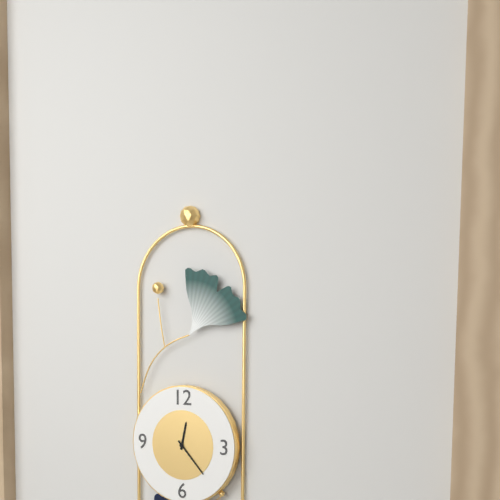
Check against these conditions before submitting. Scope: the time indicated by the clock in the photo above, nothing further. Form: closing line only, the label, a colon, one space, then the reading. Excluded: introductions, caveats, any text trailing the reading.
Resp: 12:23
